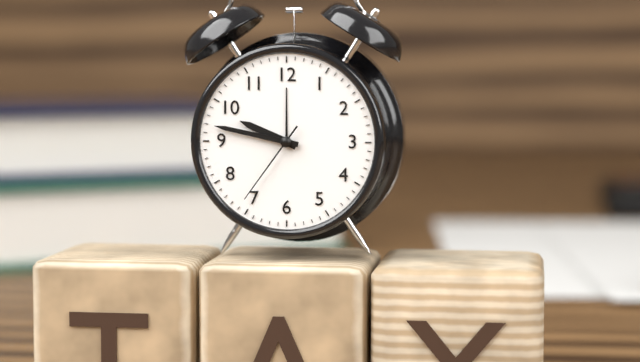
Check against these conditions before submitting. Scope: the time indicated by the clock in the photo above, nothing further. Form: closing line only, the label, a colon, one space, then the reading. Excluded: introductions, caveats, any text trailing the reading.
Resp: 9:47:36
